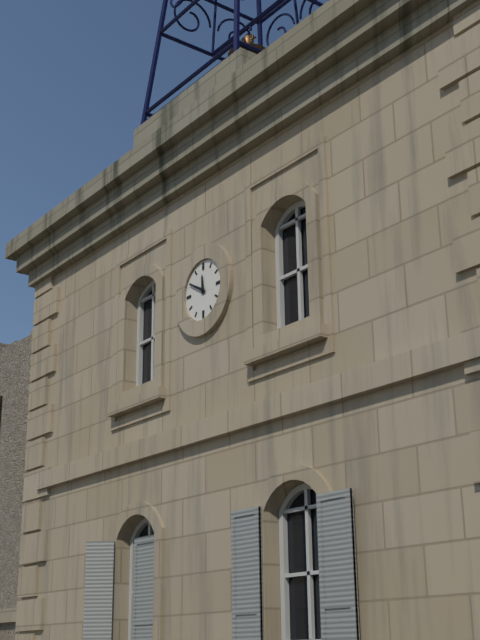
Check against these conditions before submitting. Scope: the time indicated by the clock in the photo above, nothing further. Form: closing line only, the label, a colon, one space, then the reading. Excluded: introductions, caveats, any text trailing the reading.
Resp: 11:50
